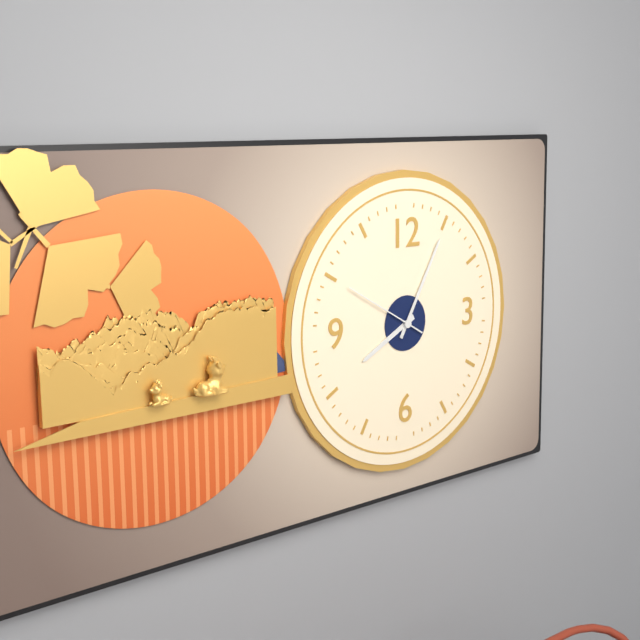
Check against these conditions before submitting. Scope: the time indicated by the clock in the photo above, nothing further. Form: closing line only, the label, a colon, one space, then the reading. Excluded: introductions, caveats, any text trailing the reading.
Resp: 8:05:50
